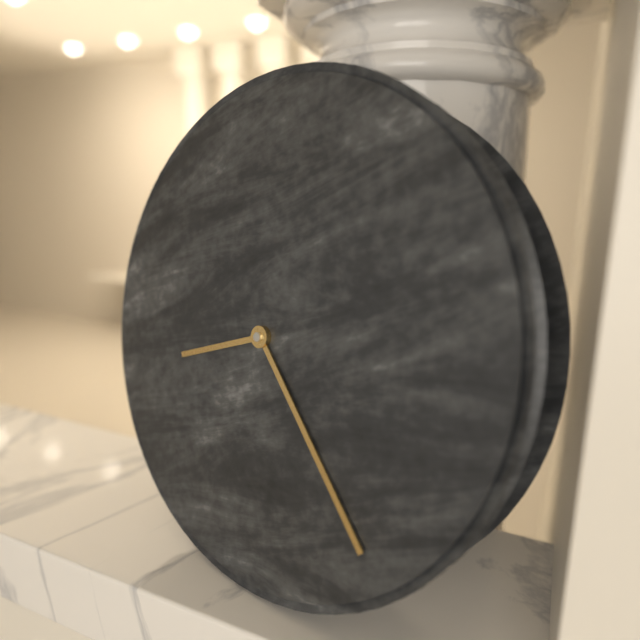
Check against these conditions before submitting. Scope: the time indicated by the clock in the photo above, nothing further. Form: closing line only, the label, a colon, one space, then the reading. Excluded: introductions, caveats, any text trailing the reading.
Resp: 8:23
